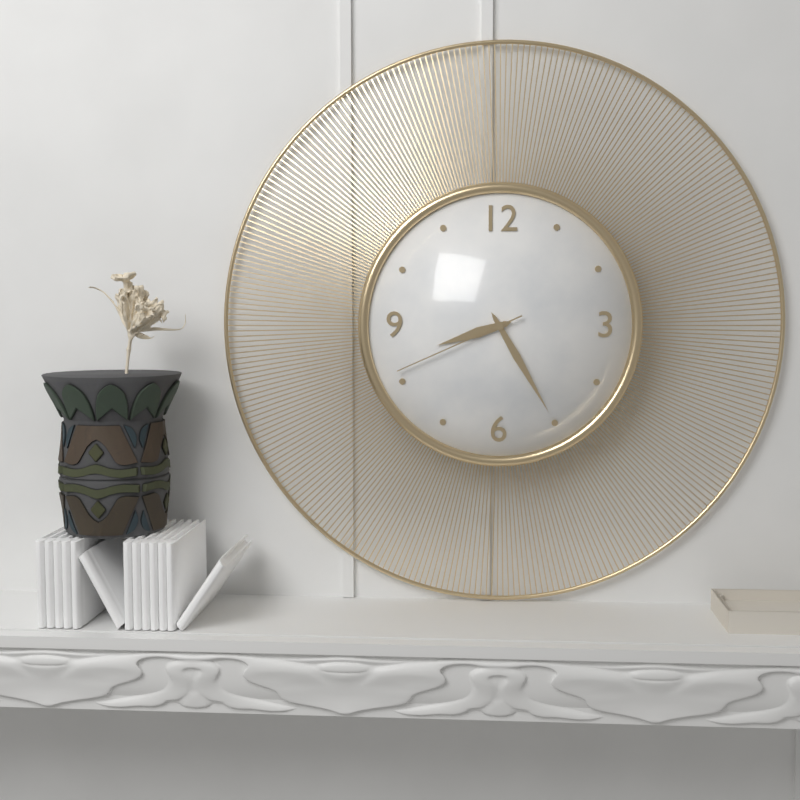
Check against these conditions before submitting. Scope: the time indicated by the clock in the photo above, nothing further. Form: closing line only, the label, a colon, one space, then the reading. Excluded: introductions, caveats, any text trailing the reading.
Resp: 8:25:41
